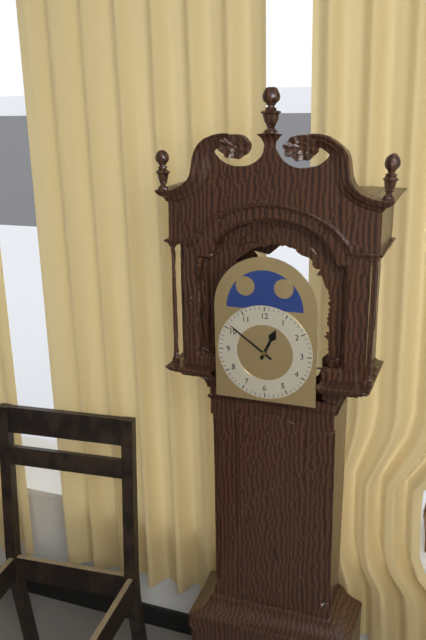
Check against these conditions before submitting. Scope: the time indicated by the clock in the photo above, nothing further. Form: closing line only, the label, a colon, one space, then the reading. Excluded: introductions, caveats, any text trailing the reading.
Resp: 12:51
